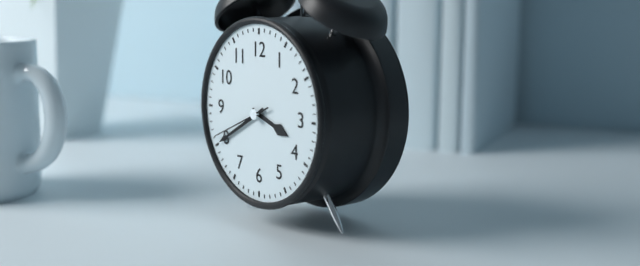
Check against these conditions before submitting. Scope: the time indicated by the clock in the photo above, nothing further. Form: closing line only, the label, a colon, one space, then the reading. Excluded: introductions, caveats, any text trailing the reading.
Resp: 3:40:41
